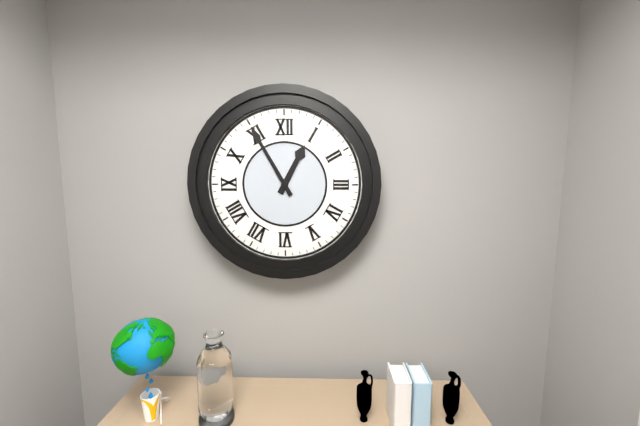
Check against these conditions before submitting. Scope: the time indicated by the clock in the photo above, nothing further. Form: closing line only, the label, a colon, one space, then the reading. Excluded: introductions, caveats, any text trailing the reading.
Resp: 12:55
